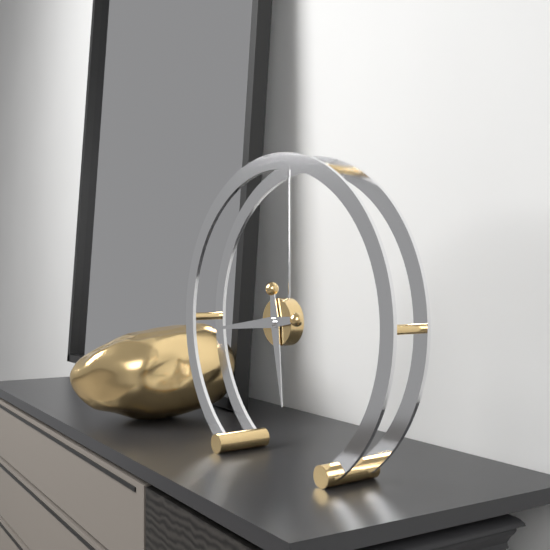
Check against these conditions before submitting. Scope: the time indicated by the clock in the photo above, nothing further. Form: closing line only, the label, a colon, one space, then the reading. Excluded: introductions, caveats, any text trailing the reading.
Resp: 5:44
